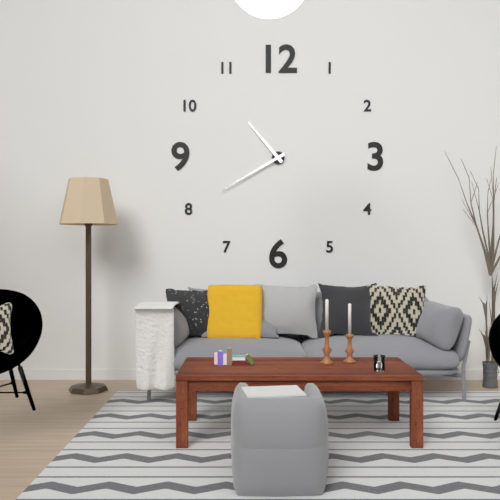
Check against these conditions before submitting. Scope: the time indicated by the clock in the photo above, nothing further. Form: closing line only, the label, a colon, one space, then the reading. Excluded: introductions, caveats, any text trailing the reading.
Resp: 10:40
